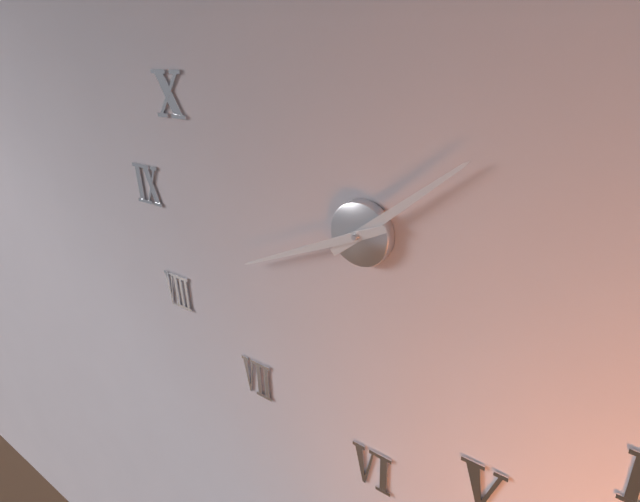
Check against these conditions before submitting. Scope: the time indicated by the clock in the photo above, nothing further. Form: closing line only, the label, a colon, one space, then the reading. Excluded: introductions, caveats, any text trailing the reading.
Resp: 1:41
